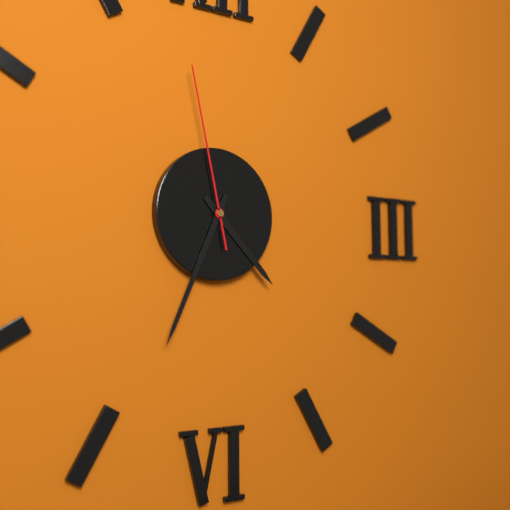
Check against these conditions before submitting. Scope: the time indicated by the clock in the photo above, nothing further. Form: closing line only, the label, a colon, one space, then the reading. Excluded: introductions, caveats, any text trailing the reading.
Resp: 4:34:58
